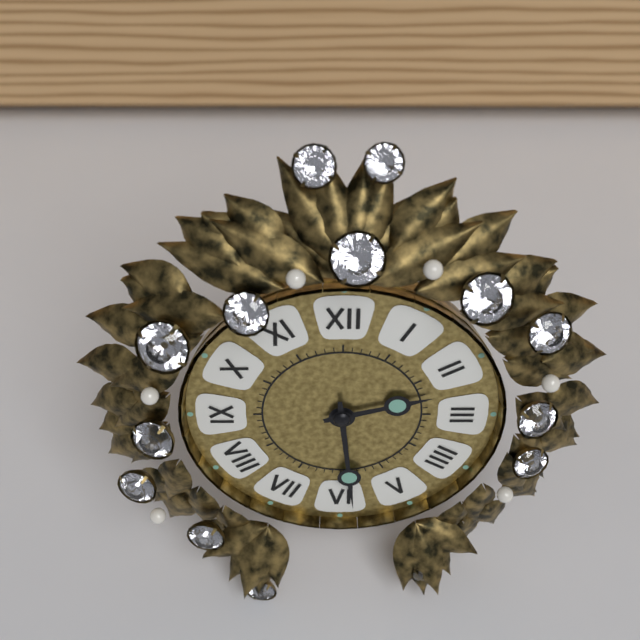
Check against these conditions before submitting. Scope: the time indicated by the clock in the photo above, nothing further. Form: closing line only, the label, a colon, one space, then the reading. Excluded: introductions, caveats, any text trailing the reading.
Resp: 2:29
